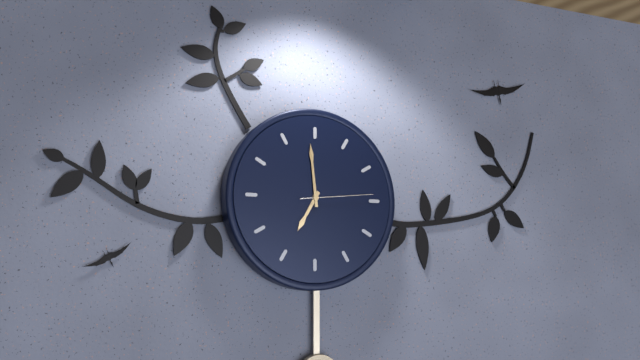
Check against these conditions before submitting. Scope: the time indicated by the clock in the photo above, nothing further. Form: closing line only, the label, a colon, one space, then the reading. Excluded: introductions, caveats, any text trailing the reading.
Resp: 6:59:14
